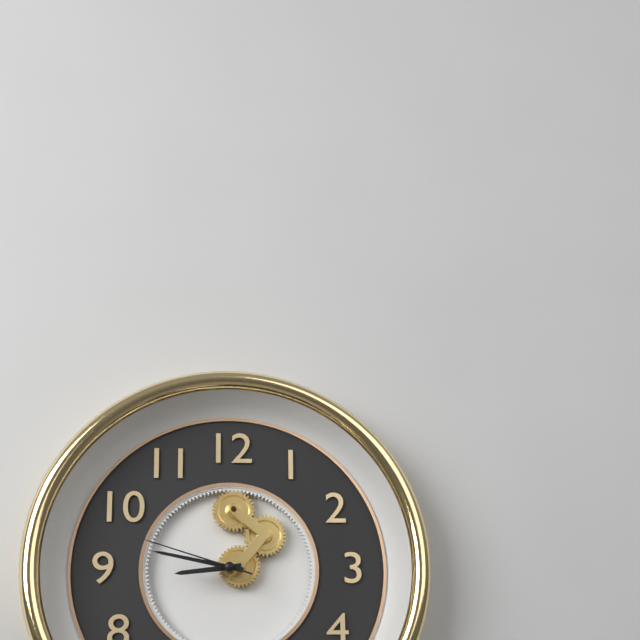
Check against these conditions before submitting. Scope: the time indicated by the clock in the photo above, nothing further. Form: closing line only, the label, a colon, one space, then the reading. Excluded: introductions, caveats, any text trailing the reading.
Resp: 8:47:48
